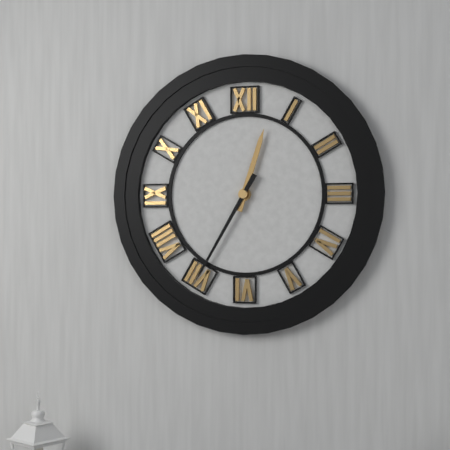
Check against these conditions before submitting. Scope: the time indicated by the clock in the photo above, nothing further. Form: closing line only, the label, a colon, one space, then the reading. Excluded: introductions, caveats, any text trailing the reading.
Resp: 12:35
